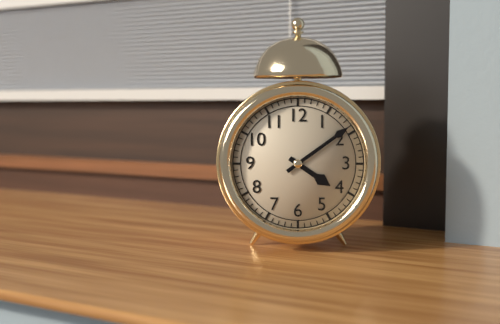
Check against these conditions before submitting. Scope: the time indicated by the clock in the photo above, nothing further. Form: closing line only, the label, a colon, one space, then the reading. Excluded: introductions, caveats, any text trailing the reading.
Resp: 4:09
